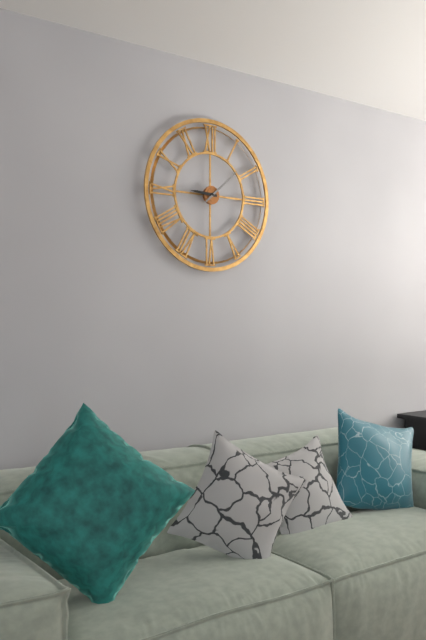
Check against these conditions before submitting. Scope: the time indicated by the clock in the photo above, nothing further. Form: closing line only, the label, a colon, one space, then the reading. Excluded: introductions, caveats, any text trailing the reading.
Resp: 9:08
